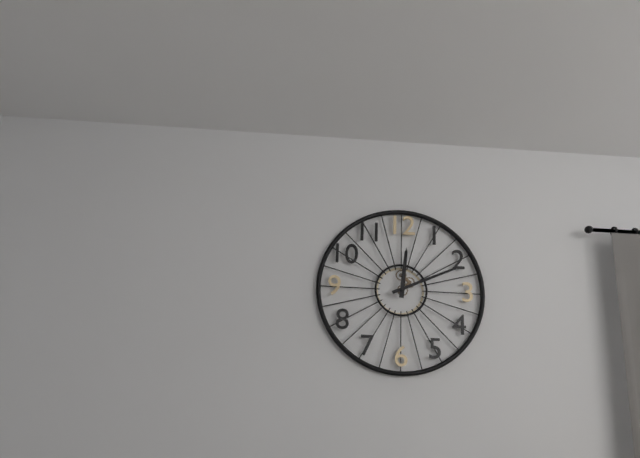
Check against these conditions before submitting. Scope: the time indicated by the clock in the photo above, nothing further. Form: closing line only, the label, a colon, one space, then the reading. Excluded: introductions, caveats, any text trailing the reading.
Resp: 12:11
